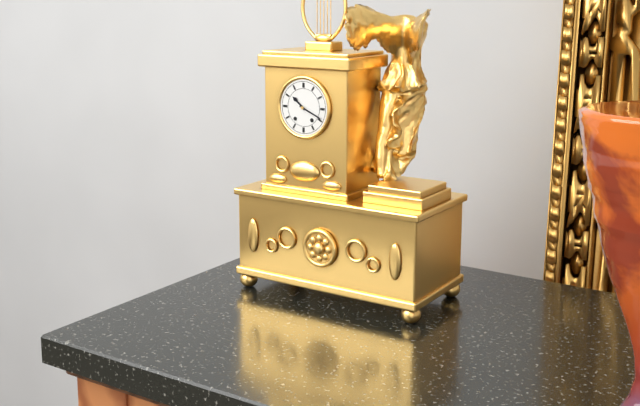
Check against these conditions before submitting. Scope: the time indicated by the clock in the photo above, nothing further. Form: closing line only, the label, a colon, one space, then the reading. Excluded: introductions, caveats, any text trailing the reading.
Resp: 10:19
